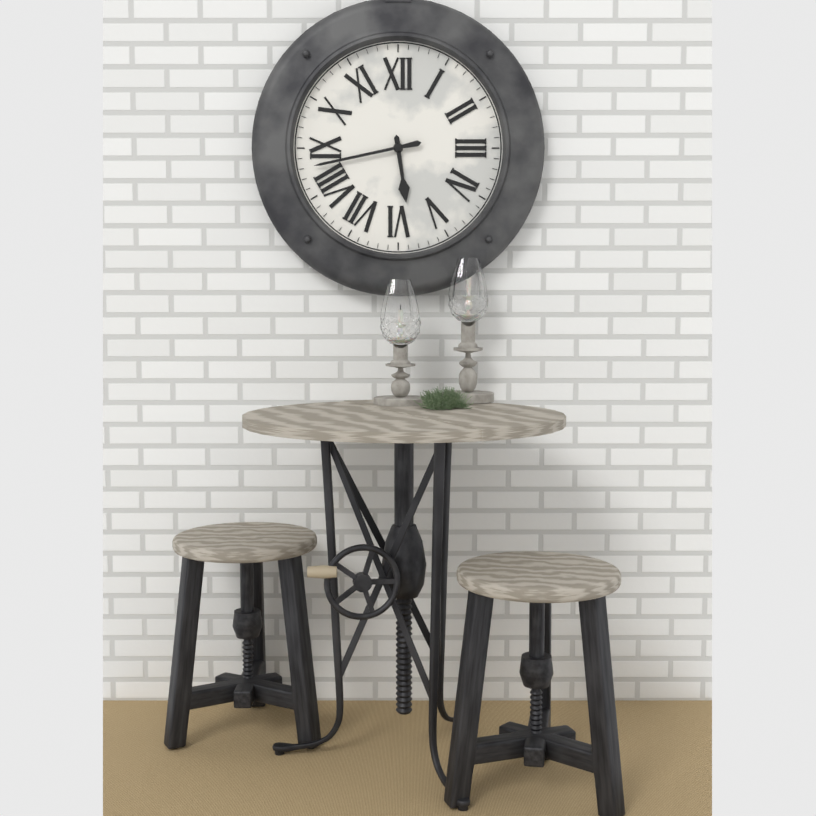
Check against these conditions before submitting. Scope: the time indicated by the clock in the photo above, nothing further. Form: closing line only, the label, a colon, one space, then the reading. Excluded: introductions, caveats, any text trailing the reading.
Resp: 5:43
